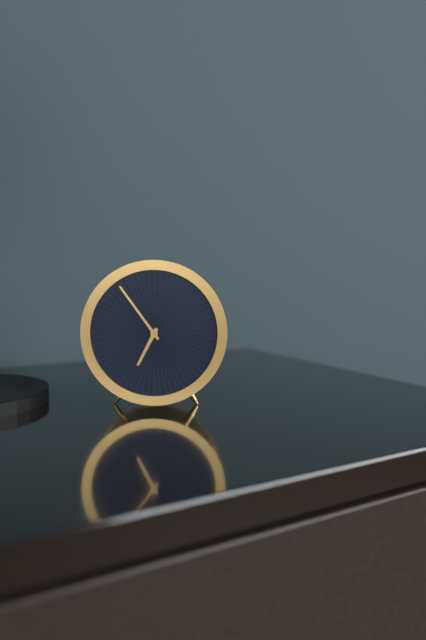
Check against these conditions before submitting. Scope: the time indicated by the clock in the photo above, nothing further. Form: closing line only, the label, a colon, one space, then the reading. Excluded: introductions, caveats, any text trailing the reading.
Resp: 6:54
